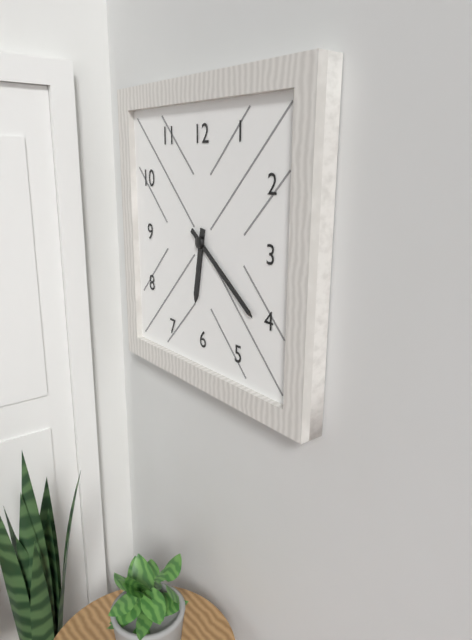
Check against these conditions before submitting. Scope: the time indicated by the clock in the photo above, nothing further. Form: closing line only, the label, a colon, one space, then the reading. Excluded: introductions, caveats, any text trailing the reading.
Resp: 6:21
